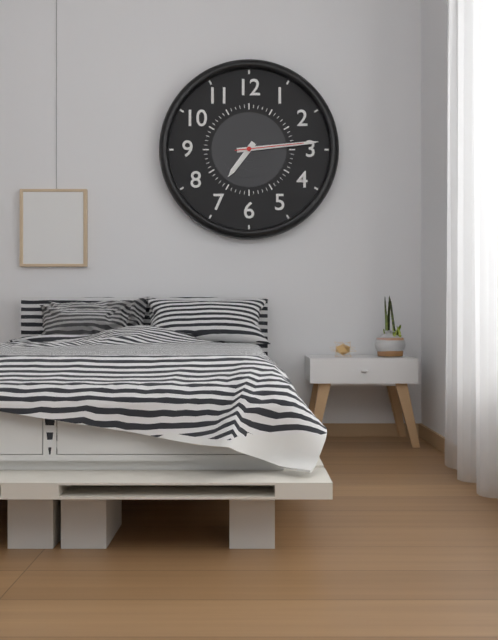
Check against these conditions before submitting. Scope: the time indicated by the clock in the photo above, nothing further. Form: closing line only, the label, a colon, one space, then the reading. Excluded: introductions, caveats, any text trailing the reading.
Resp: 7:14:14
